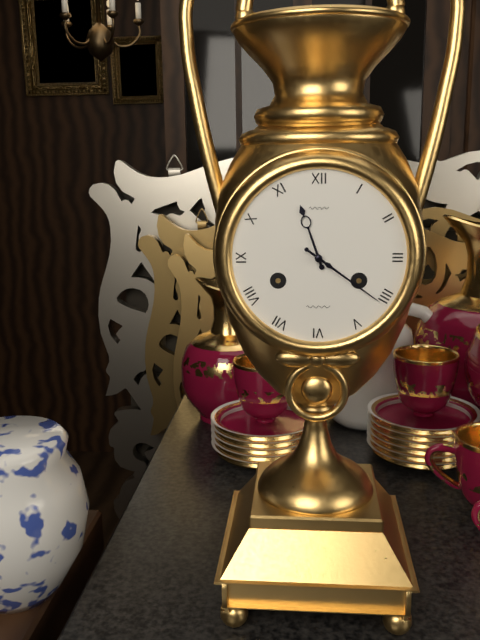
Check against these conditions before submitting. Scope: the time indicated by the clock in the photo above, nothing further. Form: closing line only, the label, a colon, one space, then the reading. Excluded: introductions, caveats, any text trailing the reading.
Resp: 11:21
